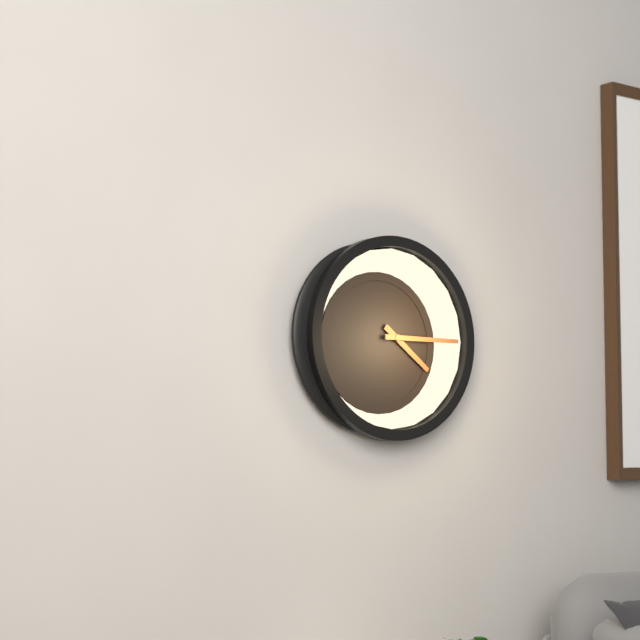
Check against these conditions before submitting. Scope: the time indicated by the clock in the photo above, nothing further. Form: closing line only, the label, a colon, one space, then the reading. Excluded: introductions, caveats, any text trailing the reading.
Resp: 4:15
